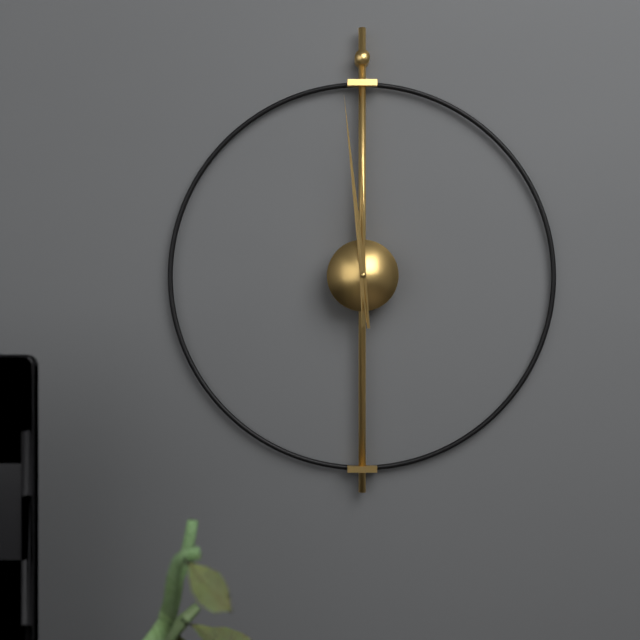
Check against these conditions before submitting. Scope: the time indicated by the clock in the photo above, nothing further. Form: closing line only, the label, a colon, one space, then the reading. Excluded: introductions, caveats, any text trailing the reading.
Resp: 11:59
